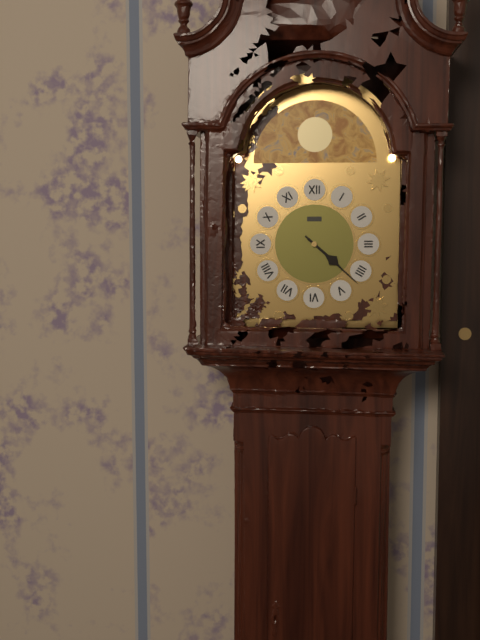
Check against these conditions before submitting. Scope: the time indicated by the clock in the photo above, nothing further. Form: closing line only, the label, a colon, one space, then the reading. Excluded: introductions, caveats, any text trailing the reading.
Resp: 4:22
